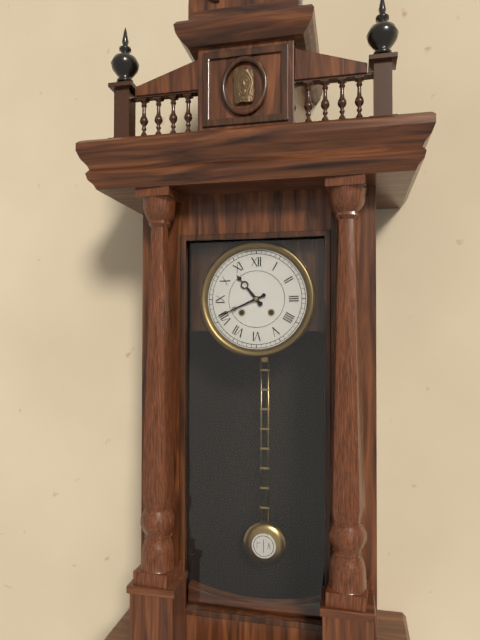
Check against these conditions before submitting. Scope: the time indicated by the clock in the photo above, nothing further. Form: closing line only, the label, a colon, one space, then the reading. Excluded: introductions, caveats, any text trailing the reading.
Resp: 10:41
